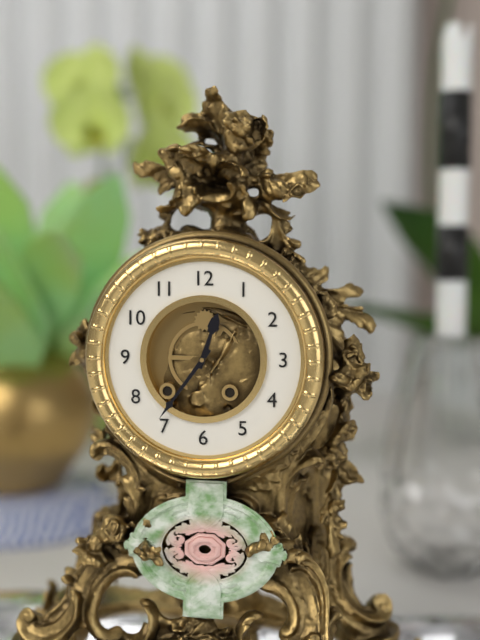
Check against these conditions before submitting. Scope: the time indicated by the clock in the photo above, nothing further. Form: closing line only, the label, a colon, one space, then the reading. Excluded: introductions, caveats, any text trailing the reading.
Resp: 12:36
